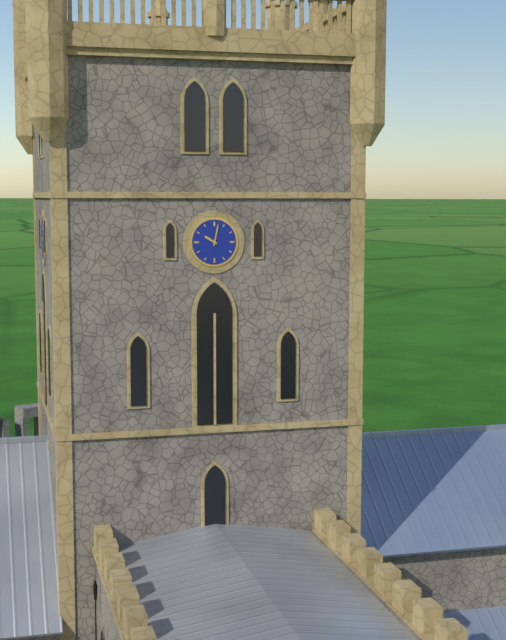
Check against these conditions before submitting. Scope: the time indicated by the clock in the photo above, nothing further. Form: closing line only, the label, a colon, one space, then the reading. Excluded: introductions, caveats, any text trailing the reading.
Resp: 10:02
